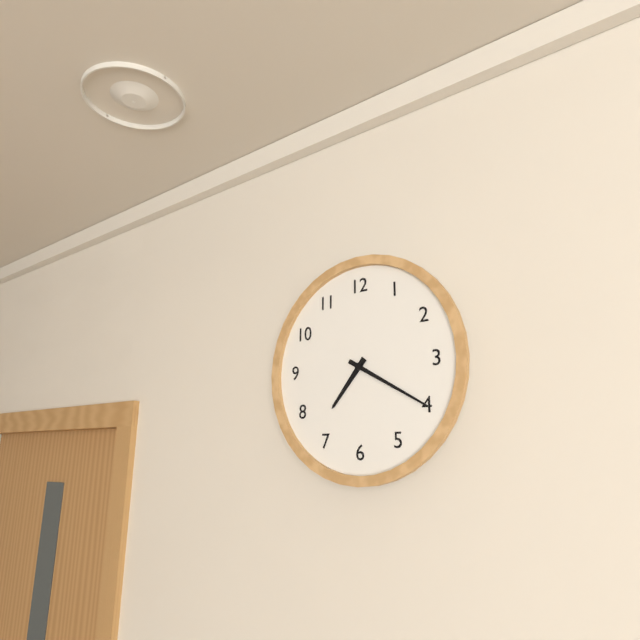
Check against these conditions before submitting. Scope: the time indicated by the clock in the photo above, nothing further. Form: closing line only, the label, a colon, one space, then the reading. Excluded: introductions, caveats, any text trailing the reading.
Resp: 7:20
